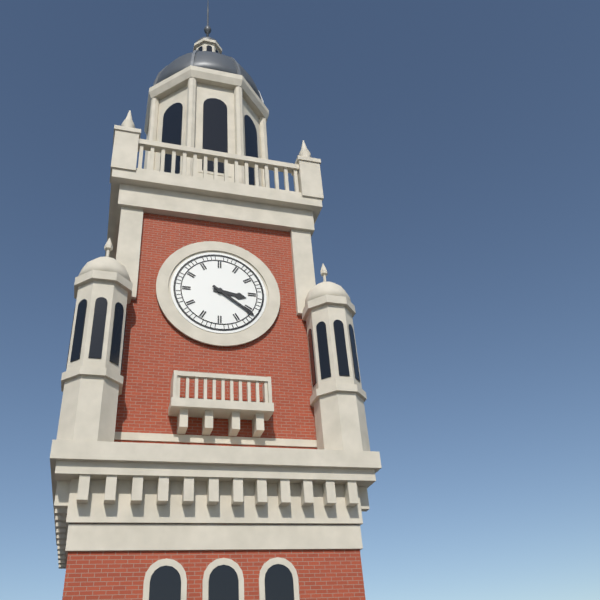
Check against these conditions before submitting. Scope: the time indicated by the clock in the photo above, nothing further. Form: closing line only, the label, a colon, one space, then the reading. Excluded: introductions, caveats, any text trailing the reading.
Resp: 3:21
